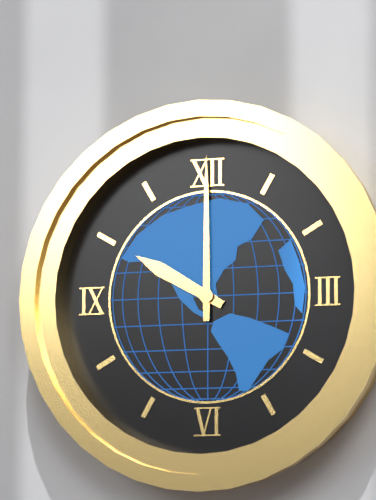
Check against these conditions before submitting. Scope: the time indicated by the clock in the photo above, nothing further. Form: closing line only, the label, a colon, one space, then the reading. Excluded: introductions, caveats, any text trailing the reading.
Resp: 10:00
